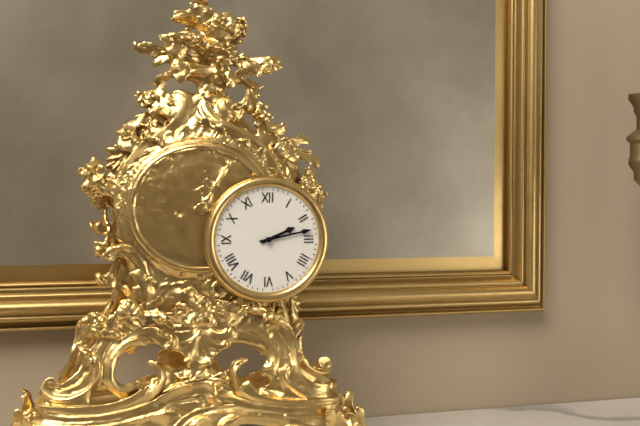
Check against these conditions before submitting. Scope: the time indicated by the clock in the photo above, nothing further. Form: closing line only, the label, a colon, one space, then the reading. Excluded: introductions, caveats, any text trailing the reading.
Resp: 2:13
